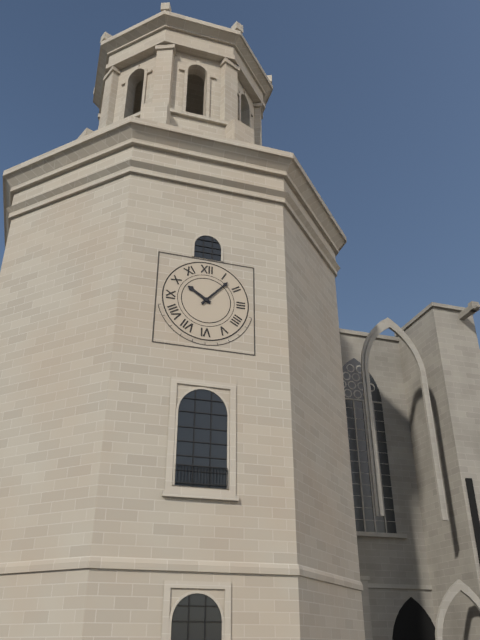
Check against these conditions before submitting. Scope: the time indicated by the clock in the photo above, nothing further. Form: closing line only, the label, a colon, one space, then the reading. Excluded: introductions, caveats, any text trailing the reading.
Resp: 10:07
